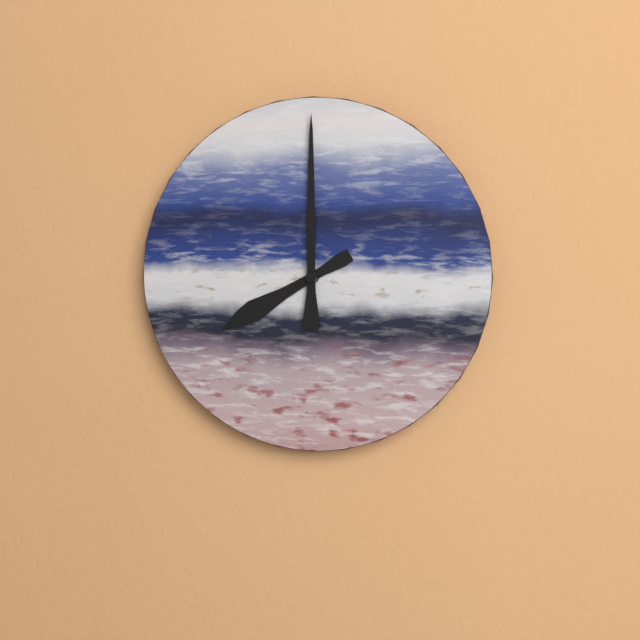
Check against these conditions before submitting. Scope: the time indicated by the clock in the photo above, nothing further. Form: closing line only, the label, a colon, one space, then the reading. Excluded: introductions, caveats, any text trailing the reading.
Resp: 8:00
